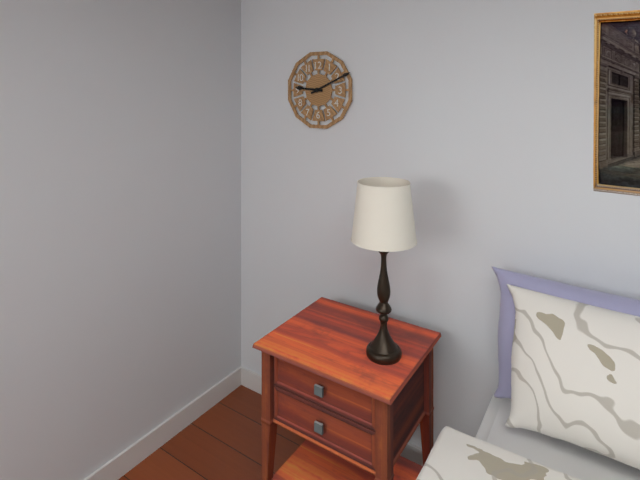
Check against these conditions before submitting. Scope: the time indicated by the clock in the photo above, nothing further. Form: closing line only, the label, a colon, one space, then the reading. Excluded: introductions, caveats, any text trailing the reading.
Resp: 9:11
